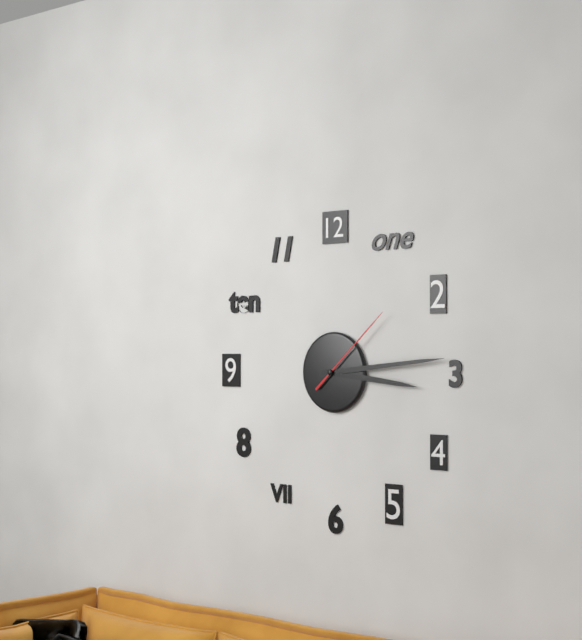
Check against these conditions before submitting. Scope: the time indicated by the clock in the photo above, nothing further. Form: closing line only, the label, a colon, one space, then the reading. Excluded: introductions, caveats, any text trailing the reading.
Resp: 3:14:08
